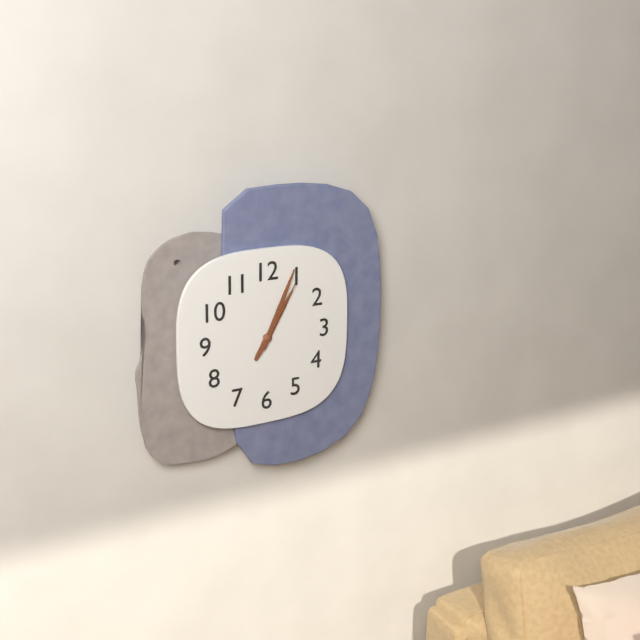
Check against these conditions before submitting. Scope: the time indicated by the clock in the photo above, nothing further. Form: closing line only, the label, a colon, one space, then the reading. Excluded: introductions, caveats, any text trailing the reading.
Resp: 1:04:05
